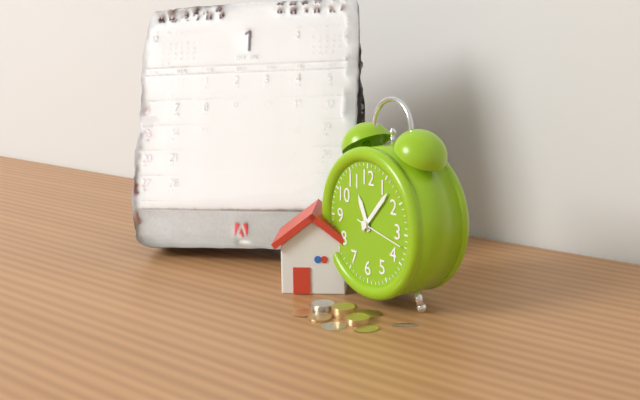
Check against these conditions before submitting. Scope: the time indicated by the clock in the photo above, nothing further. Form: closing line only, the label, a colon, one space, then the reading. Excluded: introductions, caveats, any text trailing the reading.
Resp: 11:07:17
